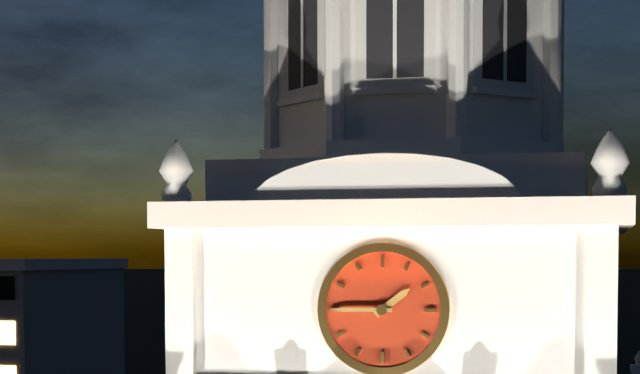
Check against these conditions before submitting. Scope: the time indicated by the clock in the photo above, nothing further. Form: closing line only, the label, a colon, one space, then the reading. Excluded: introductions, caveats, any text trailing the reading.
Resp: 1:45
